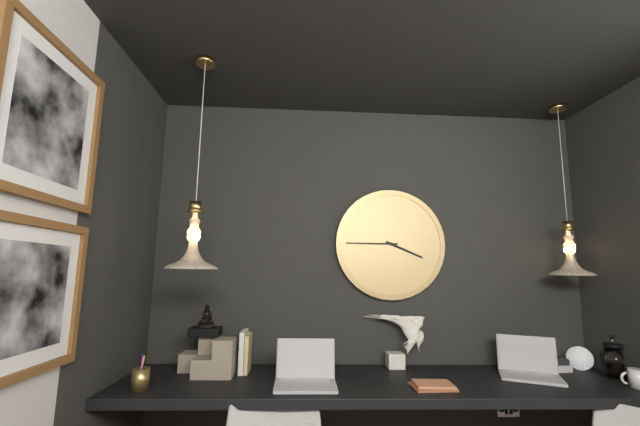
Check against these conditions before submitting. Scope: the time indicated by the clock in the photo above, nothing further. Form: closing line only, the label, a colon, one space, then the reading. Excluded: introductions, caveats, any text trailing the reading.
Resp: 3:45
